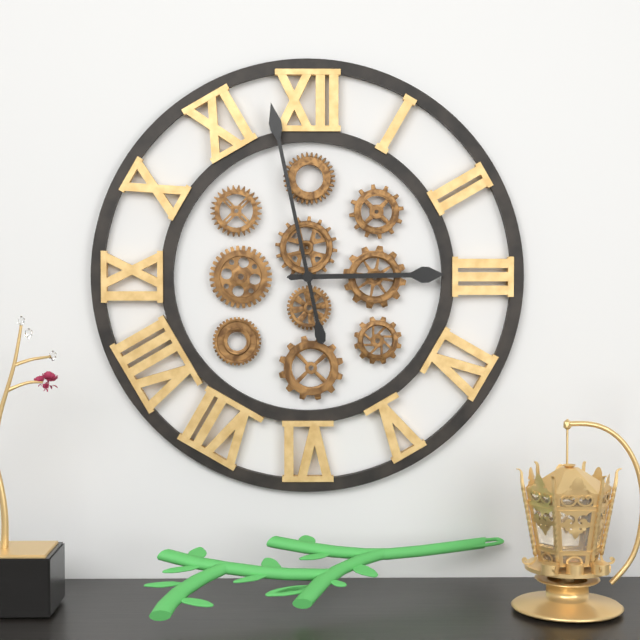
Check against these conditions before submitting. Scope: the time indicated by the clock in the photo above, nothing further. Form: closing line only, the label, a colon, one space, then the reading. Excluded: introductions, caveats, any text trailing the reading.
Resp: 2:58
